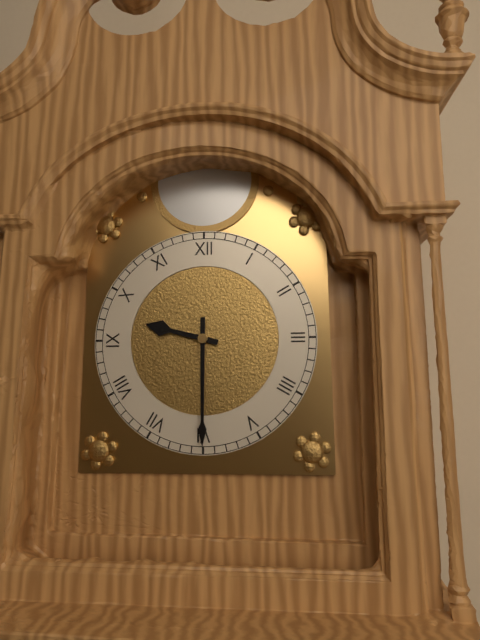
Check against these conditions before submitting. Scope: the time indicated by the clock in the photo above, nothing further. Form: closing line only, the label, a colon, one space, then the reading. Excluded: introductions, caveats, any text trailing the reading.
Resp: 9:30
